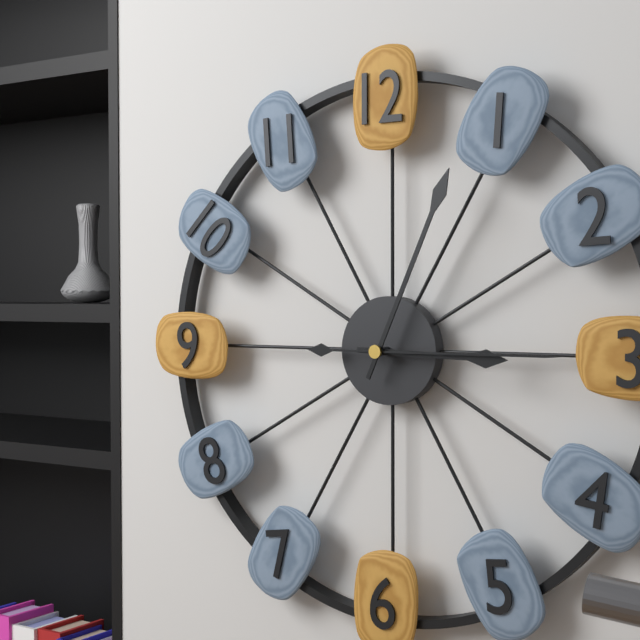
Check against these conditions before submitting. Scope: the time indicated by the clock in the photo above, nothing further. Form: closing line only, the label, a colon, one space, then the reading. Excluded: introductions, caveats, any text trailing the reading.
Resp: 3:04:15
